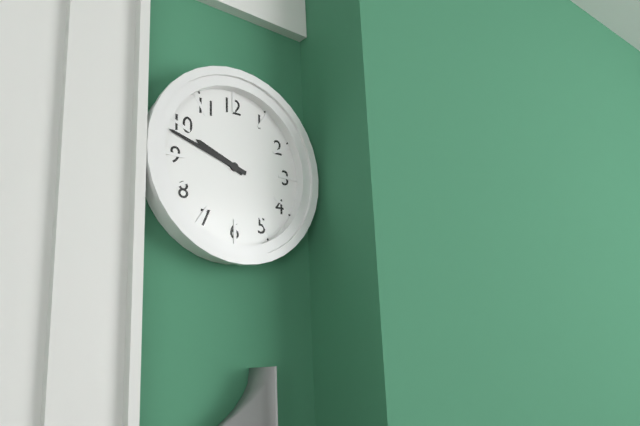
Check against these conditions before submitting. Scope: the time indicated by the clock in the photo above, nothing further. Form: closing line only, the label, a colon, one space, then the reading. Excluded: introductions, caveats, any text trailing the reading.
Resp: 9:48
